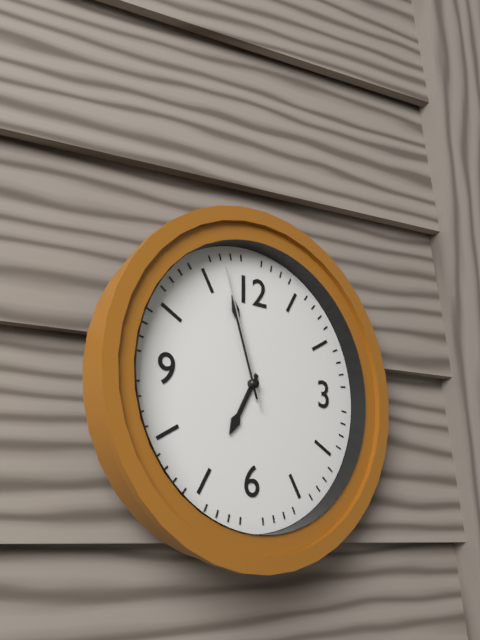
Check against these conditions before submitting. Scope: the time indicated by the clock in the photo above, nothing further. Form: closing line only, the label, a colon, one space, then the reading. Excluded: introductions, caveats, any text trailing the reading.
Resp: 6:57:57
